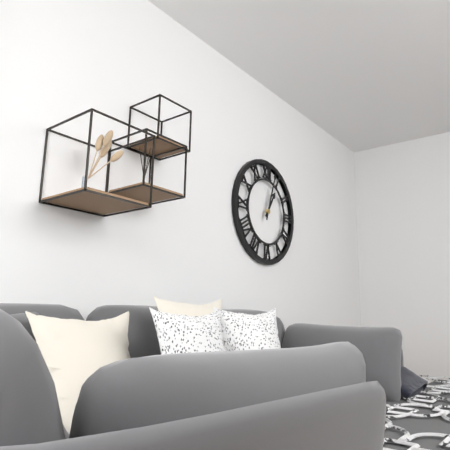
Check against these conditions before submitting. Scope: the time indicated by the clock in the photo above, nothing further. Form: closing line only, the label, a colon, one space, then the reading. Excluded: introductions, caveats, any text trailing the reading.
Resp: 1:03
